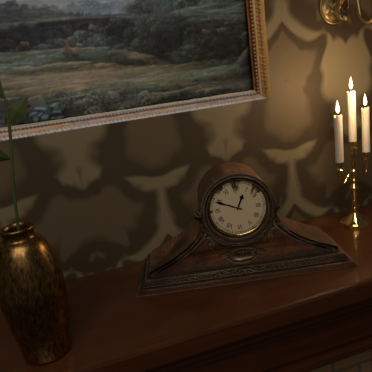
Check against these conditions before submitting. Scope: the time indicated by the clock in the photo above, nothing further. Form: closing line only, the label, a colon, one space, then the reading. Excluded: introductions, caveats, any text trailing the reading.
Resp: 12:49
